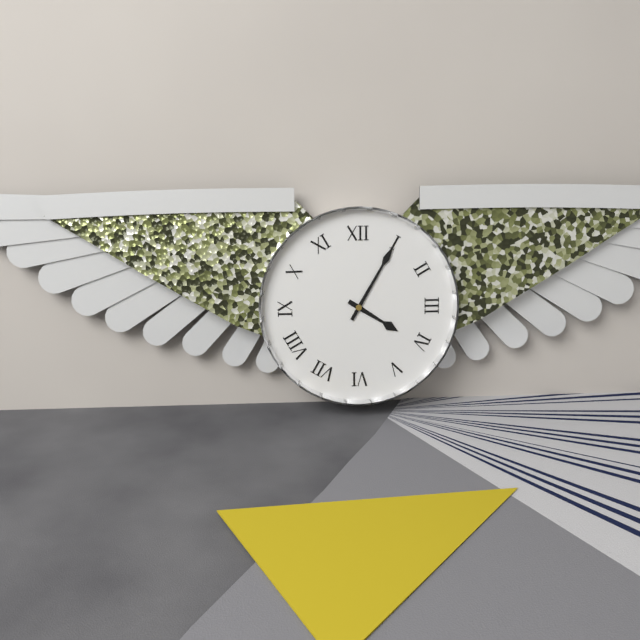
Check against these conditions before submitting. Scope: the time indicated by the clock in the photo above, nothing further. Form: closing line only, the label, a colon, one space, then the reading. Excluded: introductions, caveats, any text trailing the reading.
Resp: 4:05
